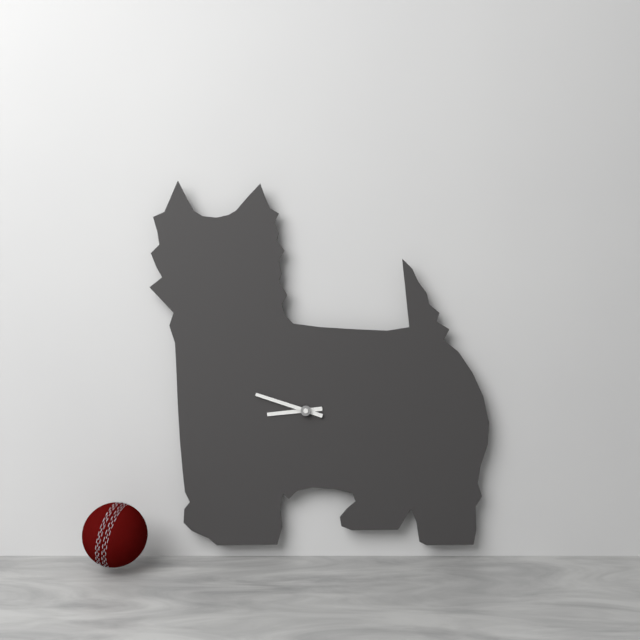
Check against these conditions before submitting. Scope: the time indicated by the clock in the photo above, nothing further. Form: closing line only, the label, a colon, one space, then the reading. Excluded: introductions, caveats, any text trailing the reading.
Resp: 8:48
